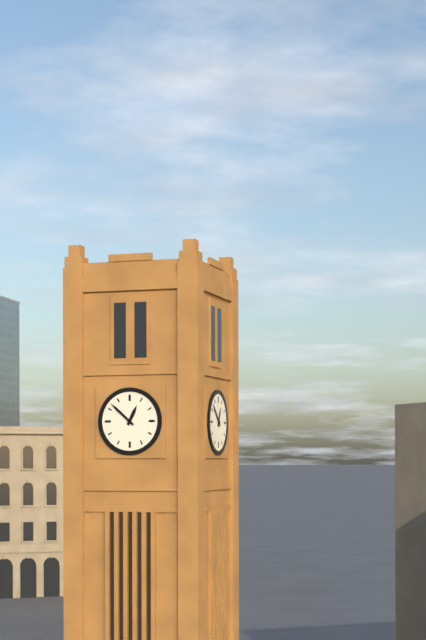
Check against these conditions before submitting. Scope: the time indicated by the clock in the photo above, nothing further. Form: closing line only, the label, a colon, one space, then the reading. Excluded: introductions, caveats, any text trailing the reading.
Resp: 12:52
